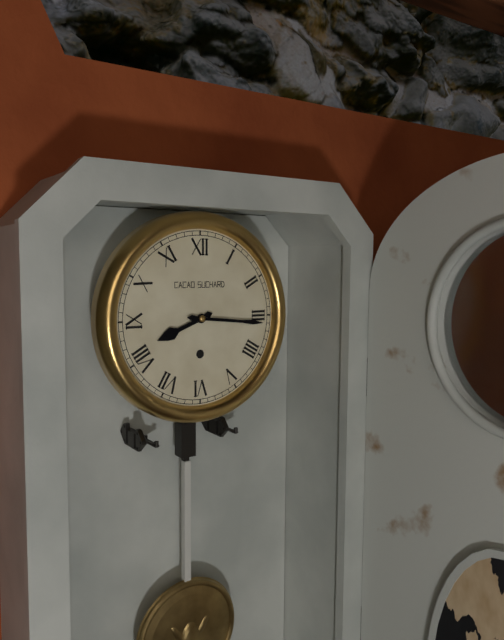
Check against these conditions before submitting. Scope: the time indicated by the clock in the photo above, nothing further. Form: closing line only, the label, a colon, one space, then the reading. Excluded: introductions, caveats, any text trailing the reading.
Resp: 8:16
